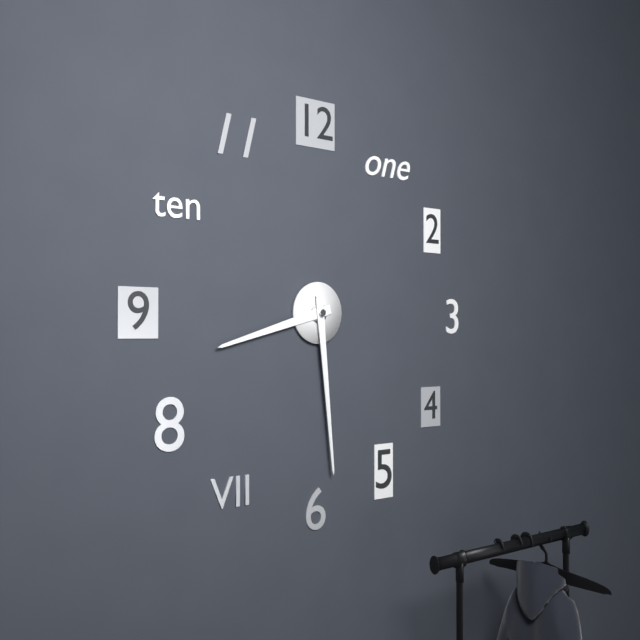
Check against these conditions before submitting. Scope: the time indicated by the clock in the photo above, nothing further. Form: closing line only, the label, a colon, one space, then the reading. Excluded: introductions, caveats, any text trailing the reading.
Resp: 8:29
